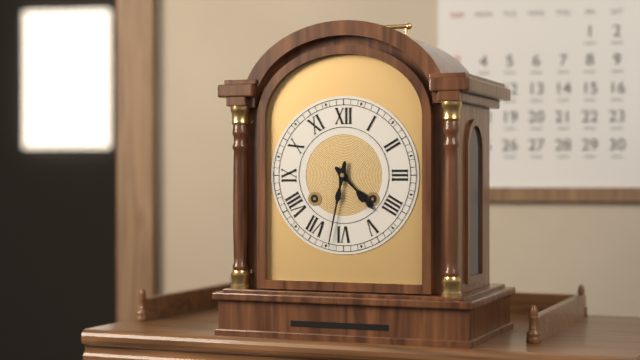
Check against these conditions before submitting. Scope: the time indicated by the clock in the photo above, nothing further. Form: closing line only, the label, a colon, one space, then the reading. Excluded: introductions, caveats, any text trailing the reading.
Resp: 4:32
